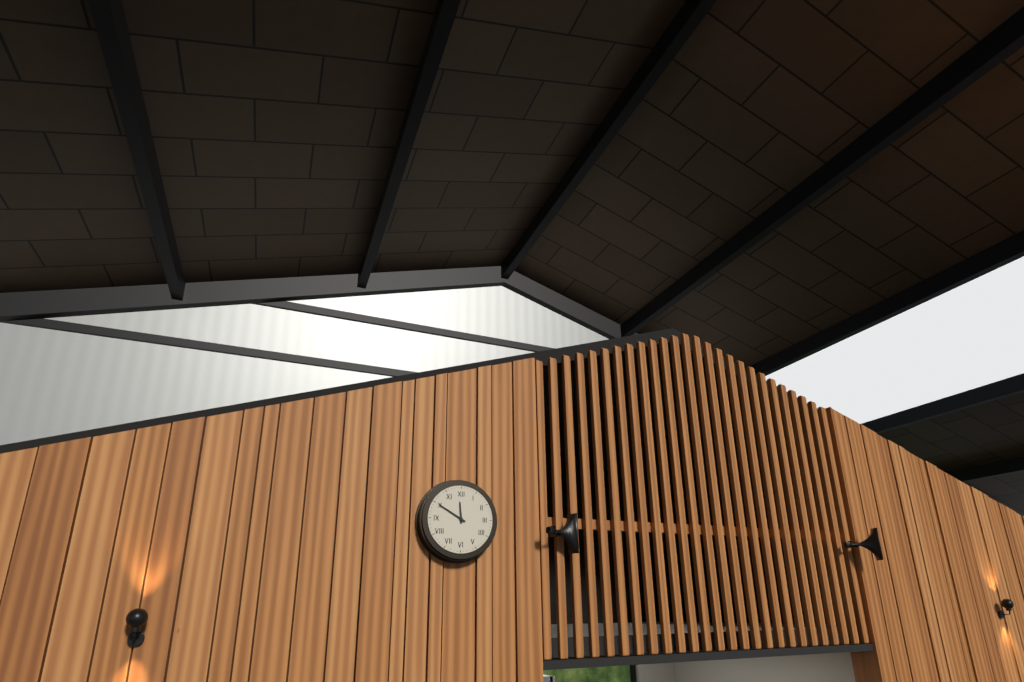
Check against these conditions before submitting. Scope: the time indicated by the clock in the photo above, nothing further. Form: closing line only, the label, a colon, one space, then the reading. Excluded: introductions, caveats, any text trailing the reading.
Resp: 11:50
